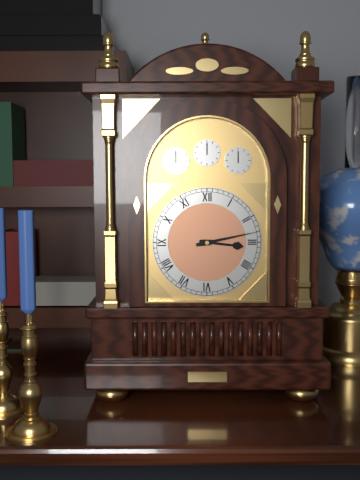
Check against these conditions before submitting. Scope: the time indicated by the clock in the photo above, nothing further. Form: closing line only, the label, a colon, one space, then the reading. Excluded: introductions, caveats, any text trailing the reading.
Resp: 3:13
